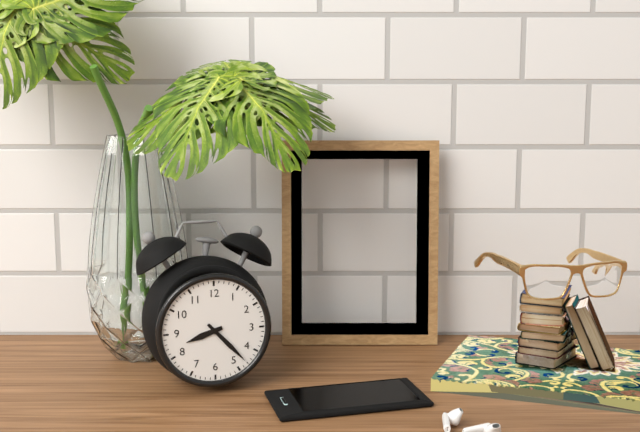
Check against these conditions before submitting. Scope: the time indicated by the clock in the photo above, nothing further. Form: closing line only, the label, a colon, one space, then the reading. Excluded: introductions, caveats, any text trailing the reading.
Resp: 8:23
